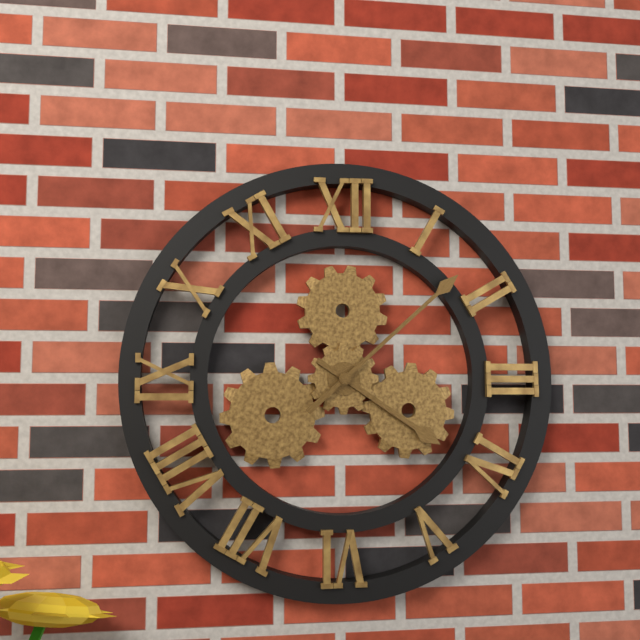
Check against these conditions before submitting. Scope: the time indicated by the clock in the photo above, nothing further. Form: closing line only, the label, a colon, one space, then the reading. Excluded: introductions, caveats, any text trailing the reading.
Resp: 4:08
